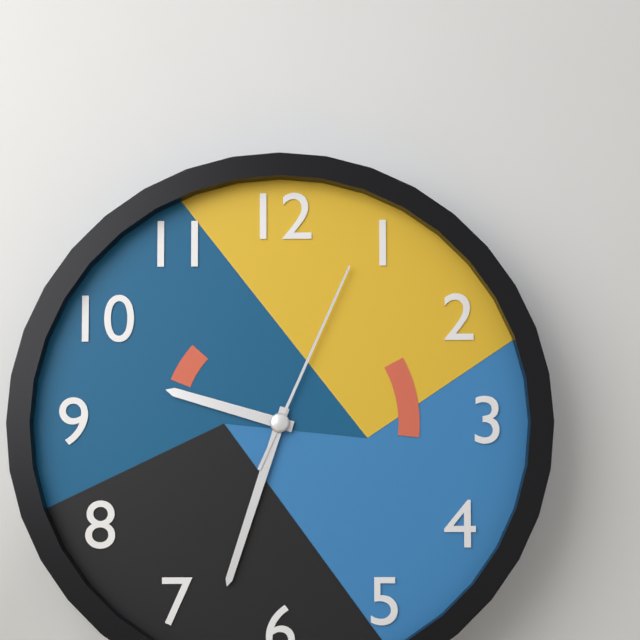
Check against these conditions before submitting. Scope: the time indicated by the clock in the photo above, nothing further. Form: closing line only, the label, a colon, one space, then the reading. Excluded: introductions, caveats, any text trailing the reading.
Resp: 9:33:04
